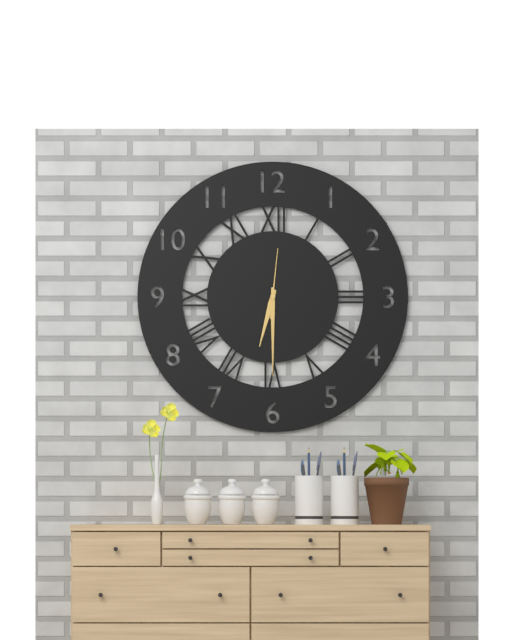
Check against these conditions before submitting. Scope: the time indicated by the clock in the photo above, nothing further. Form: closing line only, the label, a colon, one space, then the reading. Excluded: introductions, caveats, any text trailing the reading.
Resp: 6:30:01
